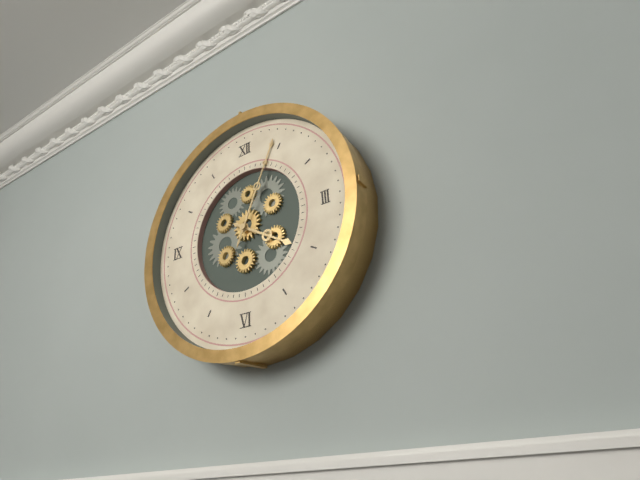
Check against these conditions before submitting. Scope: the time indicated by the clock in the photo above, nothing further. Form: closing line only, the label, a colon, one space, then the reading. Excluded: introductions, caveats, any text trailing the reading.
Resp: 4:04
